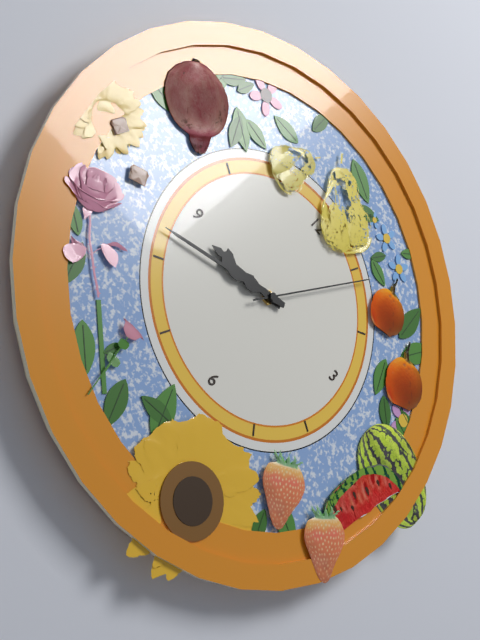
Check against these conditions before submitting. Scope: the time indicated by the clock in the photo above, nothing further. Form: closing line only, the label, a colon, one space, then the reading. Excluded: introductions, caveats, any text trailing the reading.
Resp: 8:42:06
